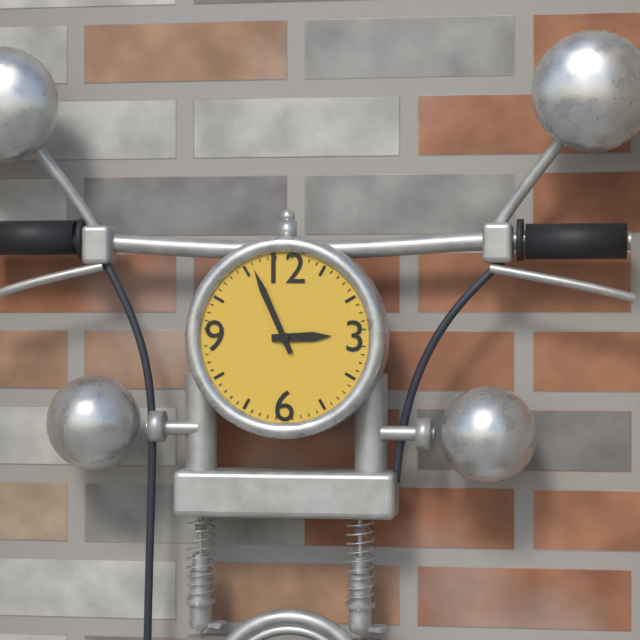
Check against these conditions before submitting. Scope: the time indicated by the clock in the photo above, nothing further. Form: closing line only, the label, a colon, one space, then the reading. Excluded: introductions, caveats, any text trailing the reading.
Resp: 2:56
